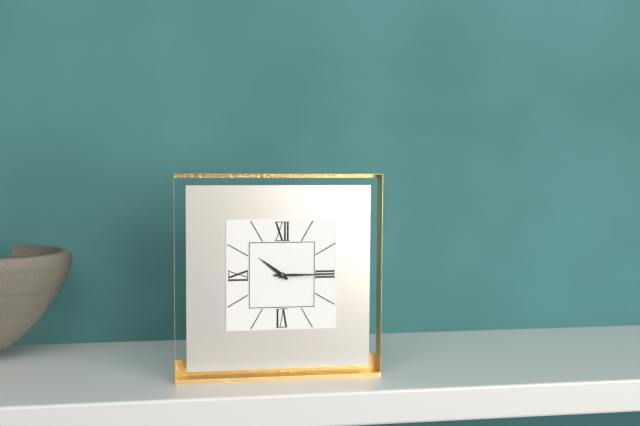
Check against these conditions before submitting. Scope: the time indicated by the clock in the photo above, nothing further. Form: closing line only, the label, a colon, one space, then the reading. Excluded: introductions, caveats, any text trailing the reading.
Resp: 10:15
